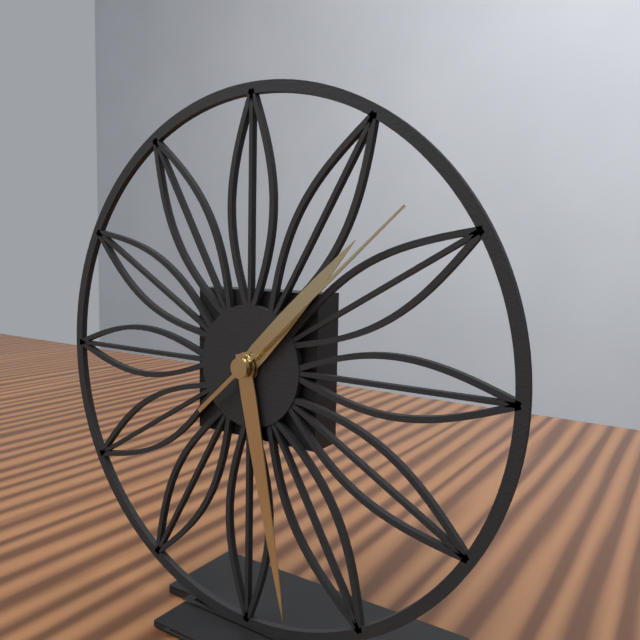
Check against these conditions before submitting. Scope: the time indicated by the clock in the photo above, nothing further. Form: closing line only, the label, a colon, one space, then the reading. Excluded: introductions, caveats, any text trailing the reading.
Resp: 1:28:08
